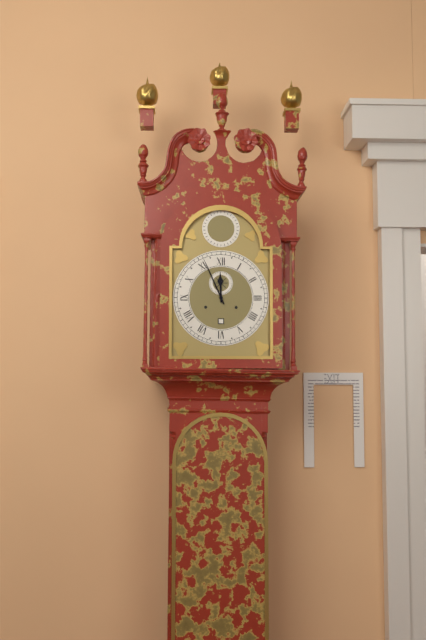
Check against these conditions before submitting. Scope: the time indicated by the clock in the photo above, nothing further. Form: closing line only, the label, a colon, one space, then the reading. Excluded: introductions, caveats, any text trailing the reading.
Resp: 11:56
